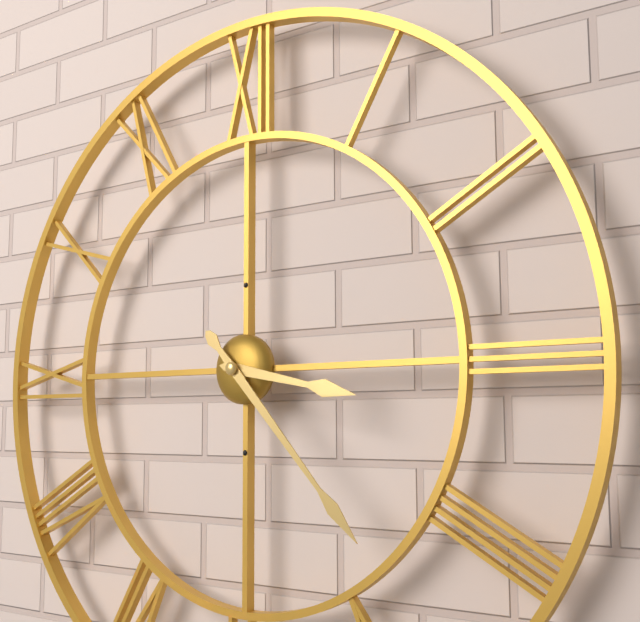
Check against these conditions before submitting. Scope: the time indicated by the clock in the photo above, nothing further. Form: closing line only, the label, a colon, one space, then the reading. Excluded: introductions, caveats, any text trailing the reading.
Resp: 3:23
